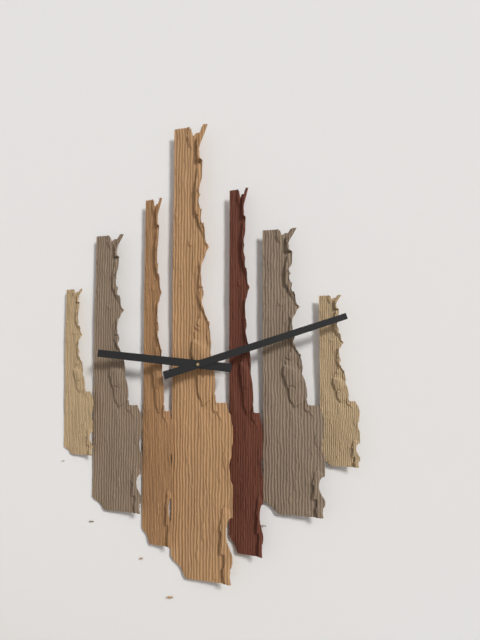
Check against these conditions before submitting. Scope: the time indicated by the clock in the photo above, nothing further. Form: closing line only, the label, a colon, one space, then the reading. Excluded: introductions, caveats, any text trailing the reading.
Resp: 9:12
